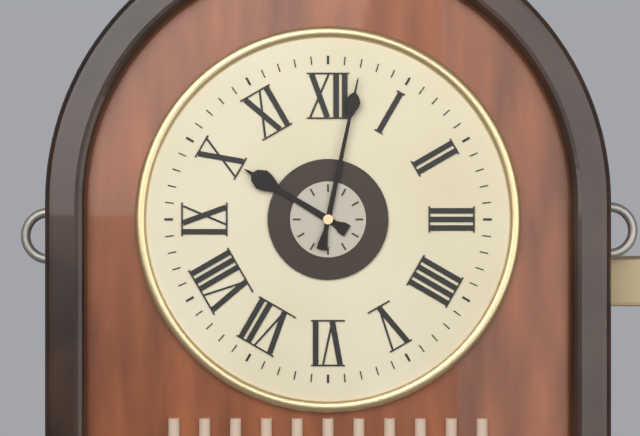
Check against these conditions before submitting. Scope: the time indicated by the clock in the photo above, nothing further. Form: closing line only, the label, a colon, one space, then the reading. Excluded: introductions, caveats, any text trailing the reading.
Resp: 10:02
